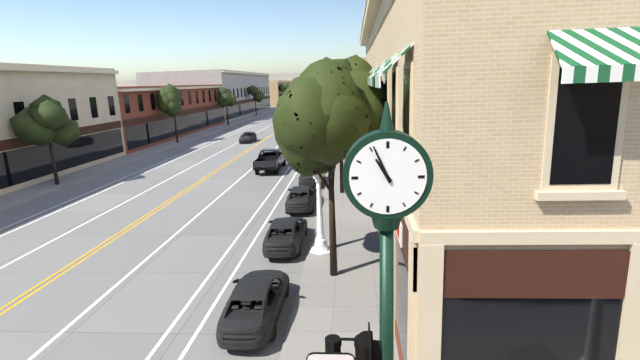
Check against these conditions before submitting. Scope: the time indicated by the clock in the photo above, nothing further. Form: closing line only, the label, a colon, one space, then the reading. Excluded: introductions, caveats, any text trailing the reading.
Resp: 10:56
